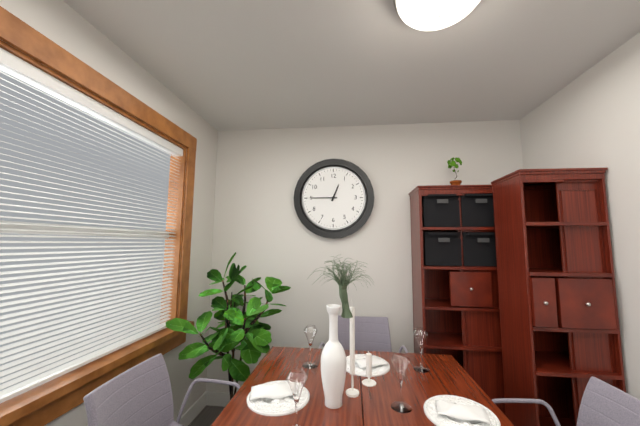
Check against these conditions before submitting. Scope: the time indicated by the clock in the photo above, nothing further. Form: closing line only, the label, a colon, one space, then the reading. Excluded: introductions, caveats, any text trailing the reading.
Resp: 12:45
